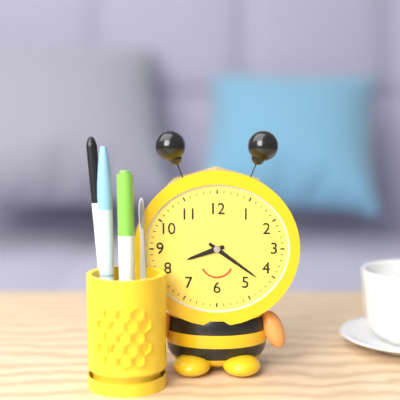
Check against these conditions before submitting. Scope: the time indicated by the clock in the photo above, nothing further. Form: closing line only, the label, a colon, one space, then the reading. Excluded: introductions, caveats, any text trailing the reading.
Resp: 8:21
